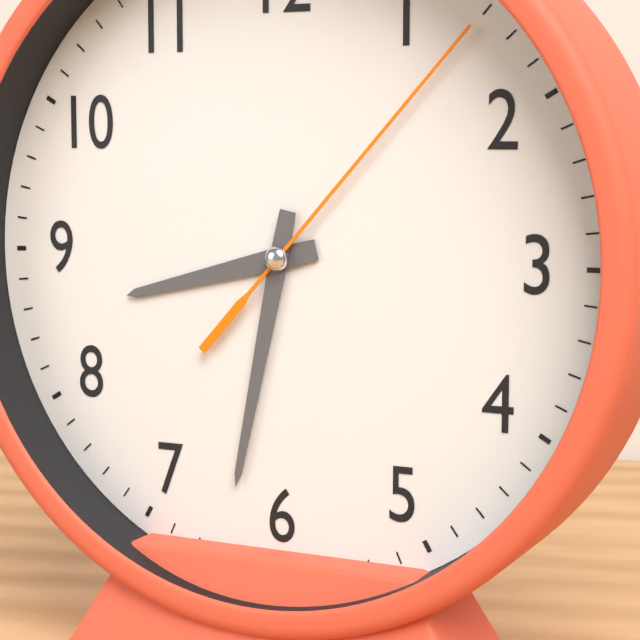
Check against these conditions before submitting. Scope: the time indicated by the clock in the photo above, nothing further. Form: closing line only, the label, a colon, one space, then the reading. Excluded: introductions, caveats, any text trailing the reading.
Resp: 8:32:07
